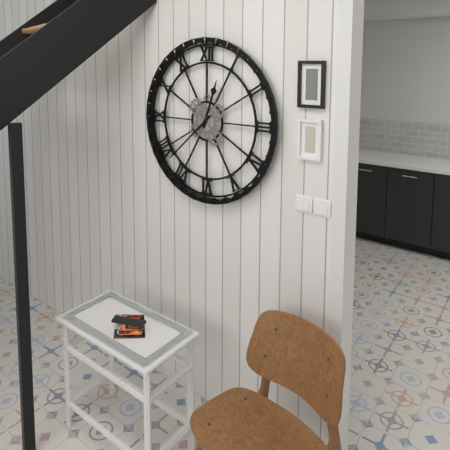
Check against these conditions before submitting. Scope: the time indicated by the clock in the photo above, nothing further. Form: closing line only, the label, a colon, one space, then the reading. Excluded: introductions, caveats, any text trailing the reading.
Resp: 12:38
